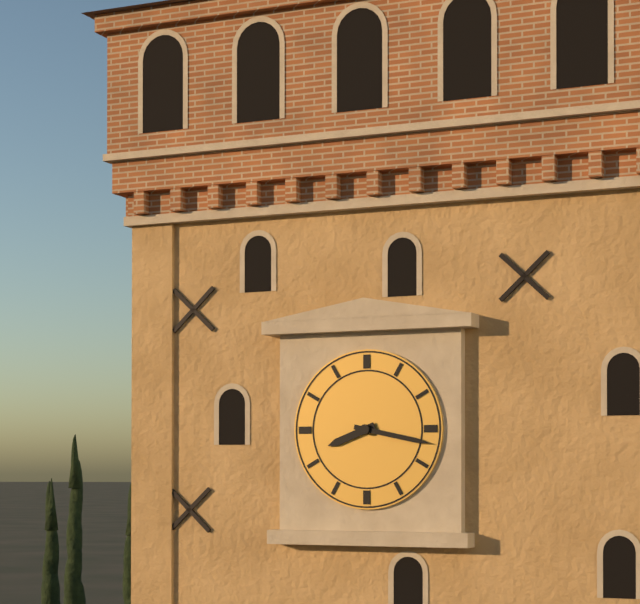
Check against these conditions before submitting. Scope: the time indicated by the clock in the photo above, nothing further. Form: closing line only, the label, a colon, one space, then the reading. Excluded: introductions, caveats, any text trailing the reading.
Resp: 8:17
